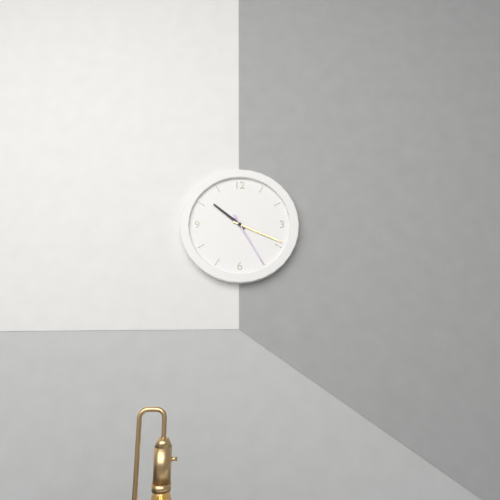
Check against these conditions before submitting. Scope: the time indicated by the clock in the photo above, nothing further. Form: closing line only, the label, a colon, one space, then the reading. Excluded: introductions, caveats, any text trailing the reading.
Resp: 10:19:25
